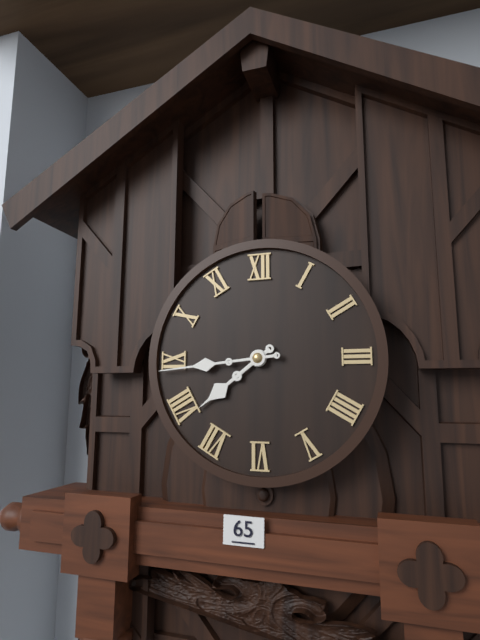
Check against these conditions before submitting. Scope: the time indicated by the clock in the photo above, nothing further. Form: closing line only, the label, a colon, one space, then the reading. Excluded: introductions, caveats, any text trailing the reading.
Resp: 7:44
